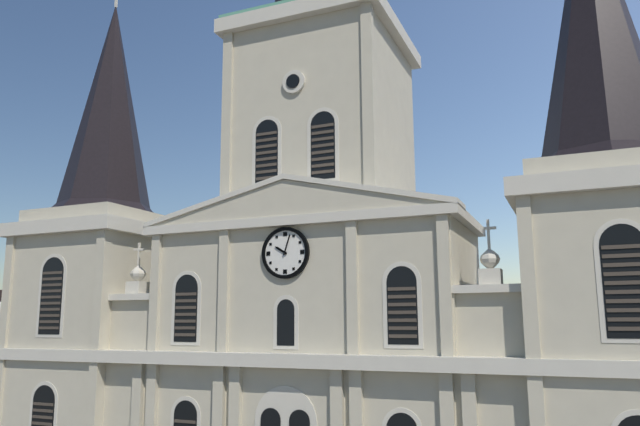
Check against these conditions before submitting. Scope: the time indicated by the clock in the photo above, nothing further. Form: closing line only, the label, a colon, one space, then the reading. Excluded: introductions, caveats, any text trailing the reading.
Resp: 10:03
